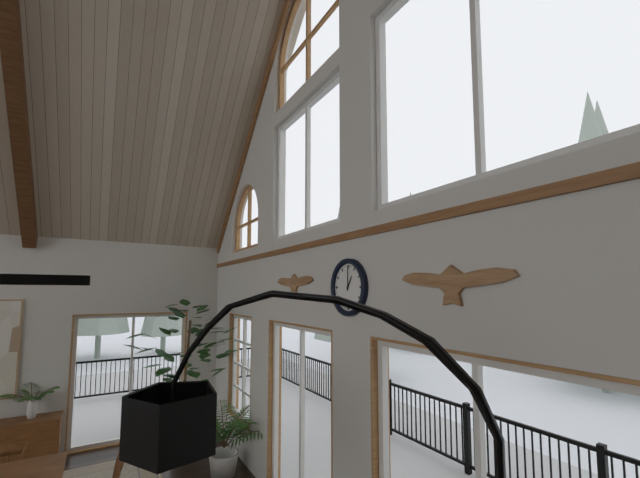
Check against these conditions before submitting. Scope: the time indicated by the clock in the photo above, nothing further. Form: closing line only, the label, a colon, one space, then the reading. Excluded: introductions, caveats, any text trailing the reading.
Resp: 1:00
